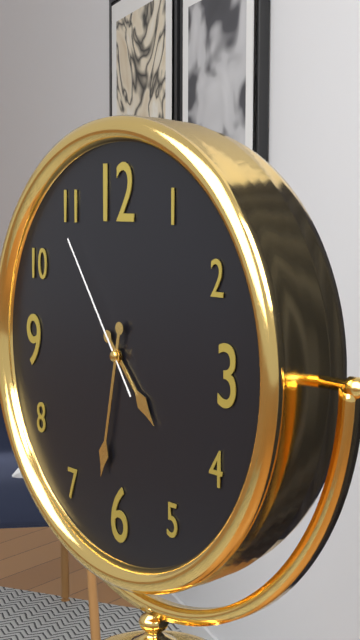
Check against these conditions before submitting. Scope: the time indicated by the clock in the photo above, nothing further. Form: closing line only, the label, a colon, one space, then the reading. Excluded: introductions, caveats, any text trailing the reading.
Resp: 4:32:54
